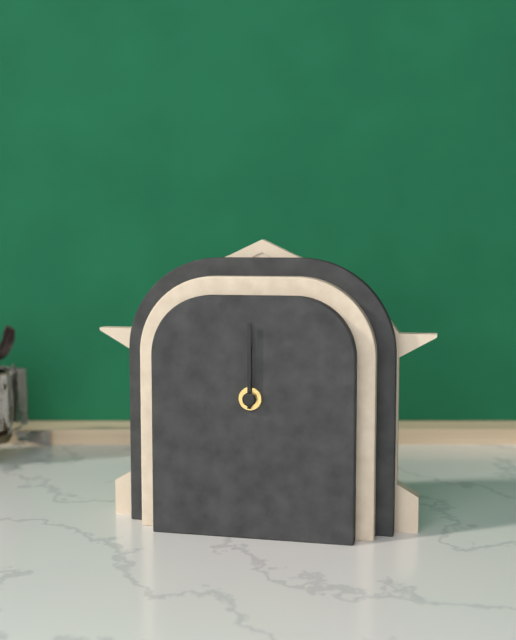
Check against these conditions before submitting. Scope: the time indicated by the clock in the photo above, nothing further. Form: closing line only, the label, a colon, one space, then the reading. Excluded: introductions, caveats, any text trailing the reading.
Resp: 12:00
